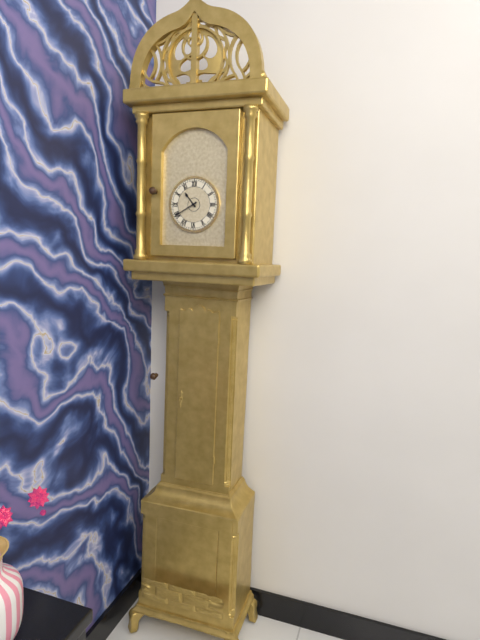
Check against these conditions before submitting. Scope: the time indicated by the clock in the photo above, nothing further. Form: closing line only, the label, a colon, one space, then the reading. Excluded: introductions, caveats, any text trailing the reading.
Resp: 10:40
